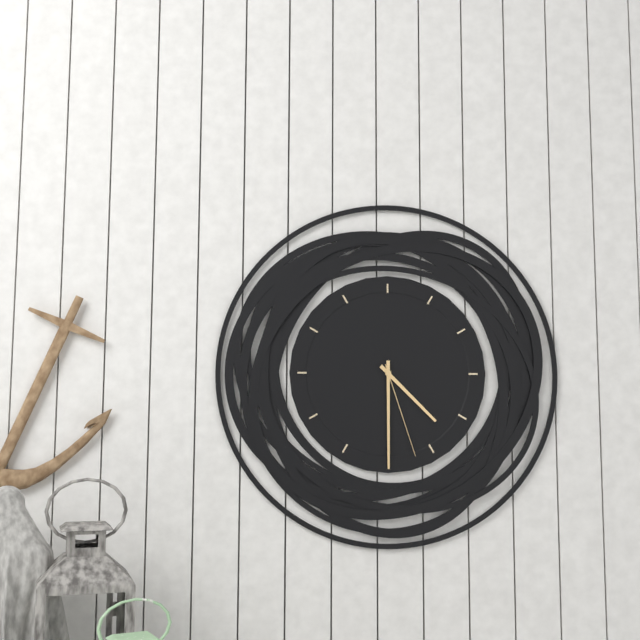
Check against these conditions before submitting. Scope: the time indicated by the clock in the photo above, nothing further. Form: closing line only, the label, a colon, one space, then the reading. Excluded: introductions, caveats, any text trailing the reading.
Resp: 4:30:27
